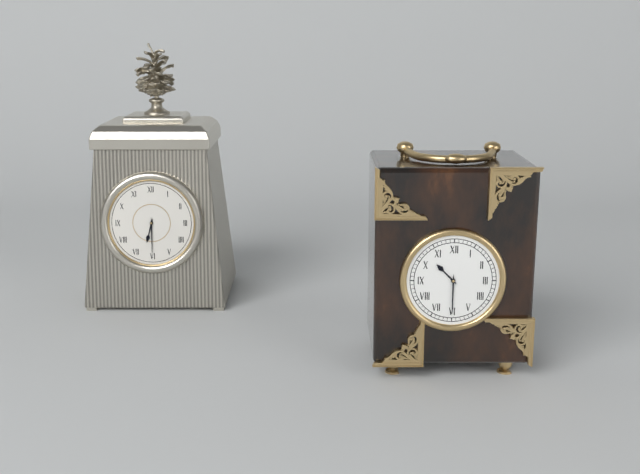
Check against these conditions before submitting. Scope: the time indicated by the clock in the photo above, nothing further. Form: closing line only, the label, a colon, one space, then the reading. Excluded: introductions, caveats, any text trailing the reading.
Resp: 10:30
